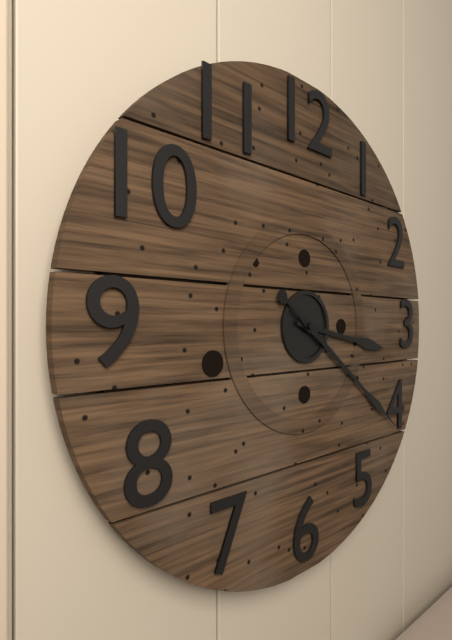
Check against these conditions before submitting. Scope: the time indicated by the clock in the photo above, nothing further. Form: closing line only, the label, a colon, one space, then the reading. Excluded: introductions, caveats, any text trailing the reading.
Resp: 3:21
